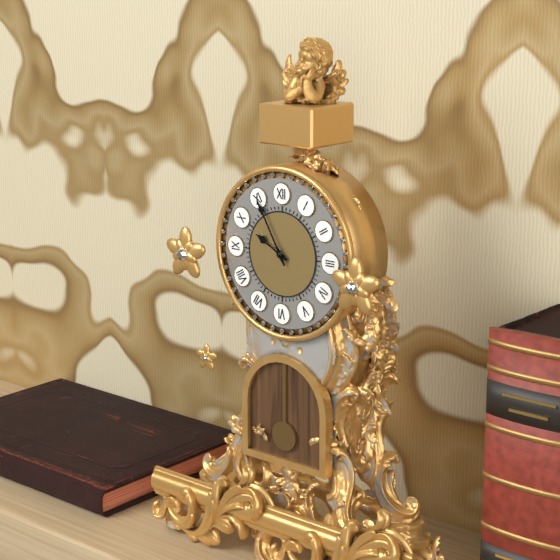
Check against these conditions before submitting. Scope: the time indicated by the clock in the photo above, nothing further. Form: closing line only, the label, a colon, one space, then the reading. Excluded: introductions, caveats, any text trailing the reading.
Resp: 9:55
